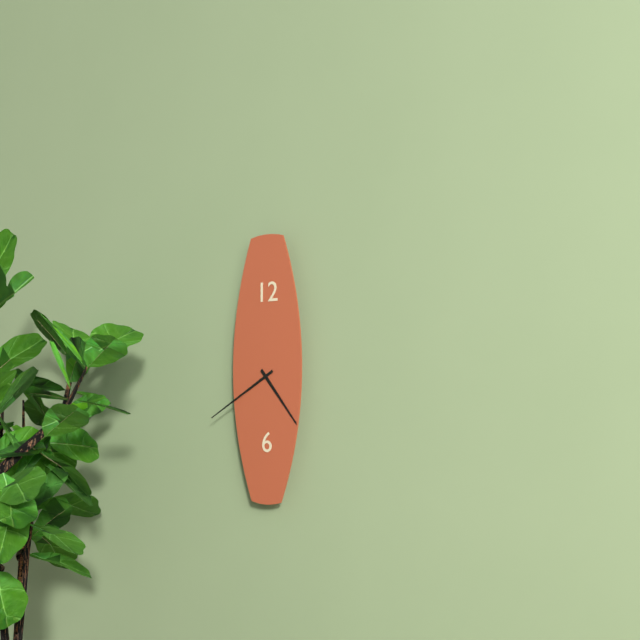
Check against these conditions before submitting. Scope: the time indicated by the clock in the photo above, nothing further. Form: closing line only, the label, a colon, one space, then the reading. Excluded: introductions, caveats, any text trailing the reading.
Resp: 4:40
